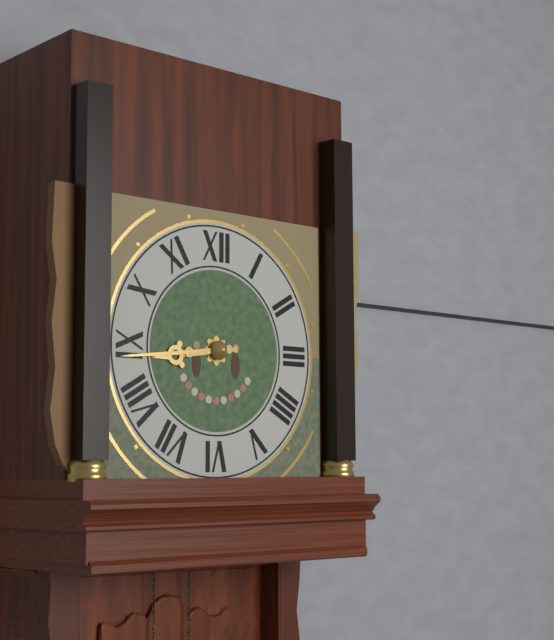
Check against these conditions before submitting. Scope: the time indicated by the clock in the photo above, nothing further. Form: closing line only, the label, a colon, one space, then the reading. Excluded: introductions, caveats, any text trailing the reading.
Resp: 8:44
